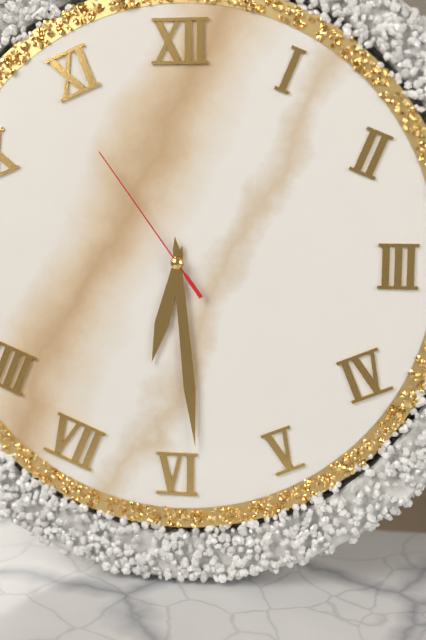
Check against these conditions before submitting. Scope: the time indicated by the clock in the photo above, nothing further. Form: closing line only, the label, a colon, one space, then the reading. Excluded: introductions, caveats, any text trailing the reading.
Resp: 6:29:54
